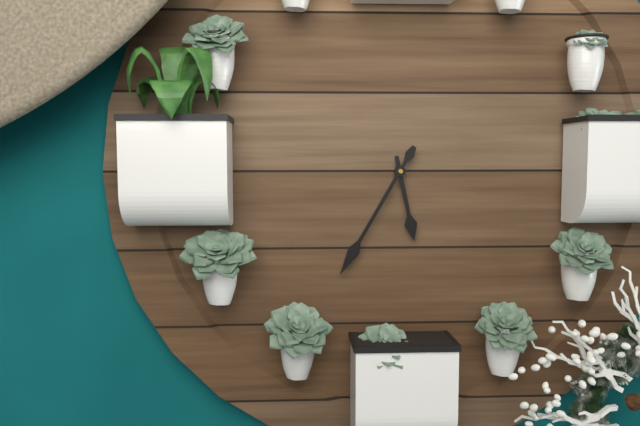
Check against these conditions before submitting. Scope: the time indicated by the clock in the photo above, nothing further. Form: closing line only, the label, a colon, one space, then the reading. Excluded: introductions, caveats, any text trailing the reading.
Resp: 5:35
